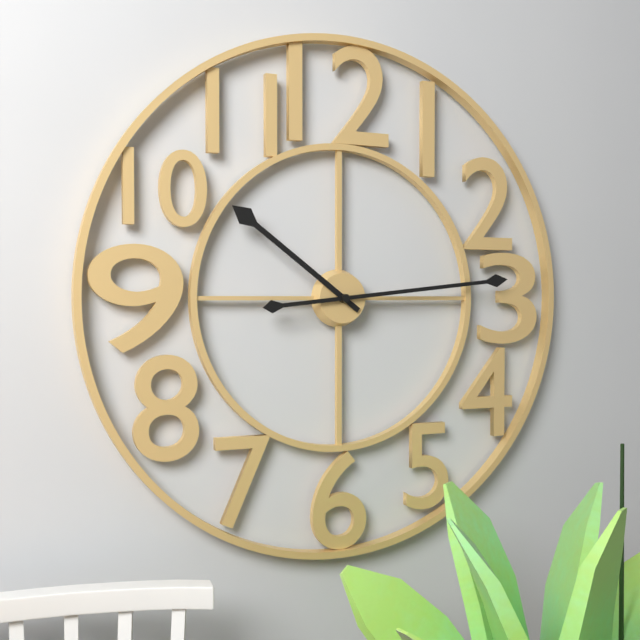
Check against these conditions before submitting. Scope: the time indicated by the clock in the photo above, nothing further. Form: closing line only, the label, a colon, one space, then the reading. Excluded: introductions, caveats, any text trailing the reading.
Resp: 10:14
